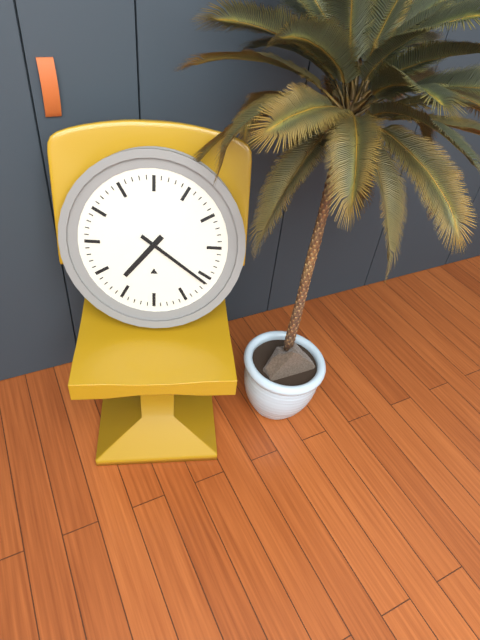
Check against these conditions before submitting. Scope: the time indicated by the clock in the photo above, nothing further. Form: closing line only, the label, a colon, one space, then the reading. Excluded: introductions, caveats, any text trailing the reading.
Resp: 7:21
